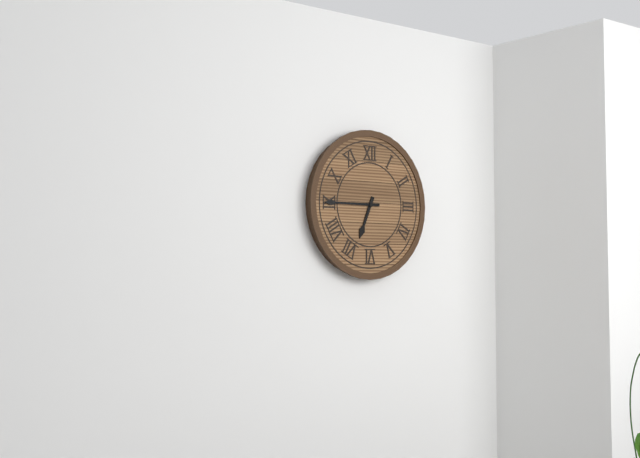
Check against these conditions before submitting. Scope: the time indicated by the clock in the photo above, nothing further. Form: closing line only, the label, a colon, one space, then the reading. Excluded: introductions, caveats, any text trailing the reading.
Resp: 6:45
